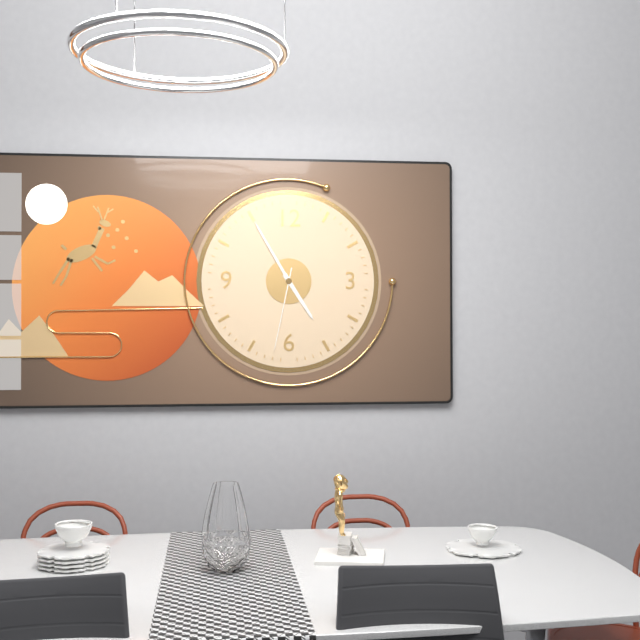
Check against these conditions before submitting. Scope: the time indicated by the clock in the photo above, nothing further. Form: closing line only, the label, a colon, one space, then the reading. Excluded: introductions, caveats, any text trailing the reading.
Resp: 4:55:32
